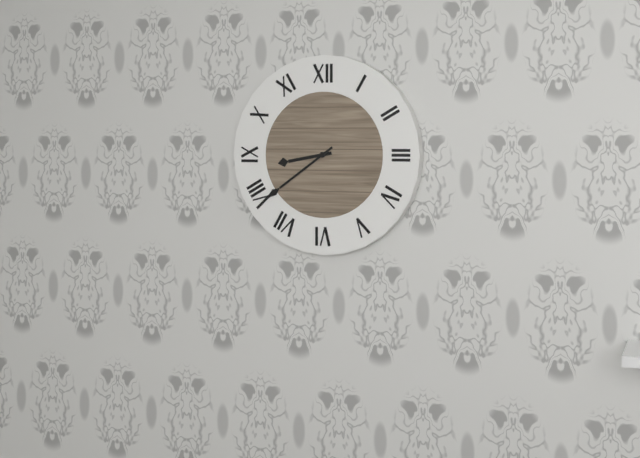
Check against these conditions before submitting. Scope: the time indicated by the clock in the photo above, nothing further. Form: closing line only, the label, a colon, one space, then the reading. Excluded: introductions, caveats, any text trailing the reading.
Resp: 8:39
